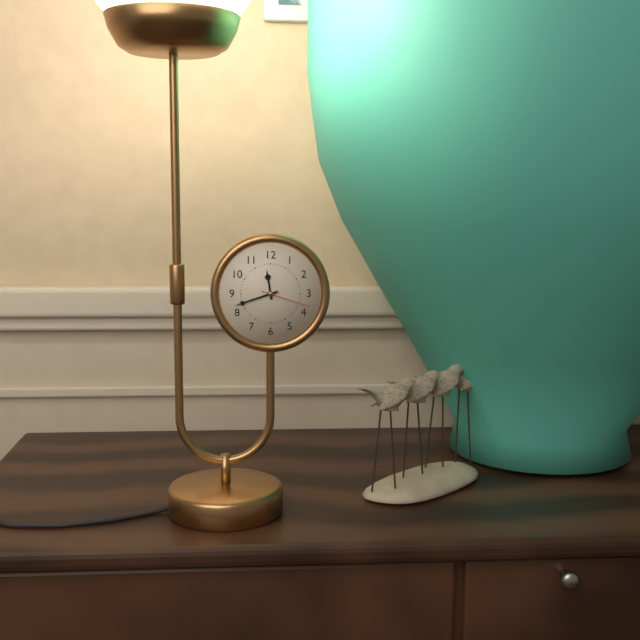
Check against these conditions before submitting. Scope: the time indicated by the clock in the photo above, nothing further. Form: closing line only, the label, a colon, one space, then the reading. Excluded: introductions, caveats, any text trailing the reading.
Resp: 11:42:18
